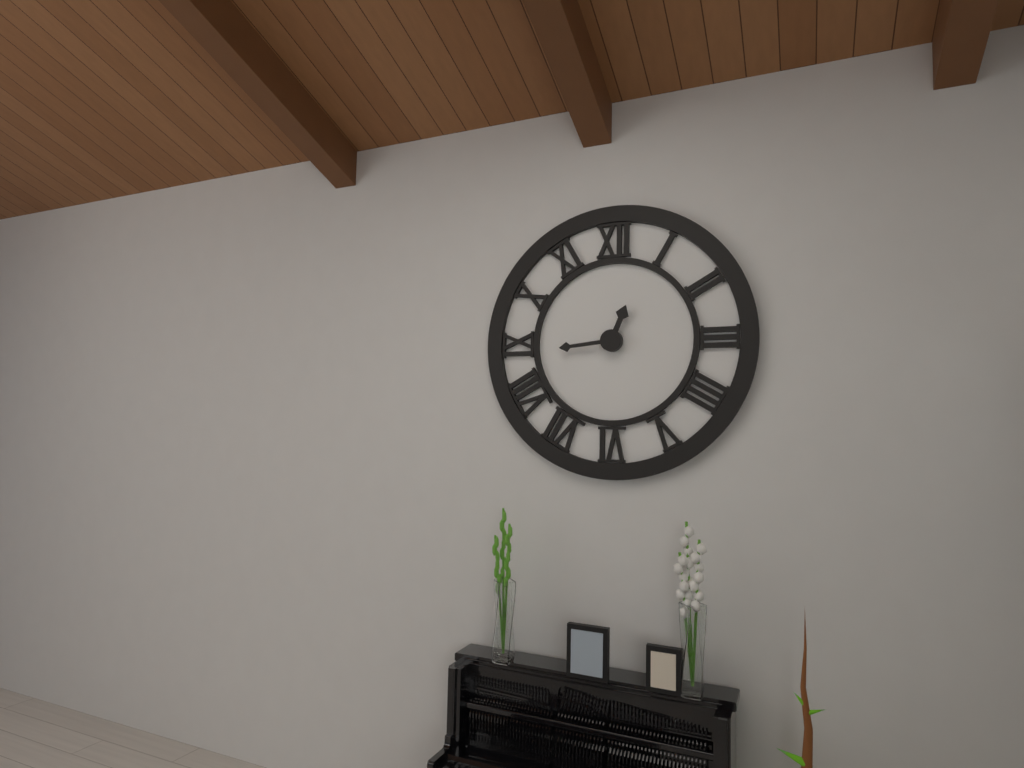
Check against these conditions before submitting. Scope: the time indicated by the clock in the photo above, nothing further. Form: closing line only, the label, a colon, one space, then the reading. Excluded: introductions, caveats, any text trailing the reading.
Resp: 12:44
